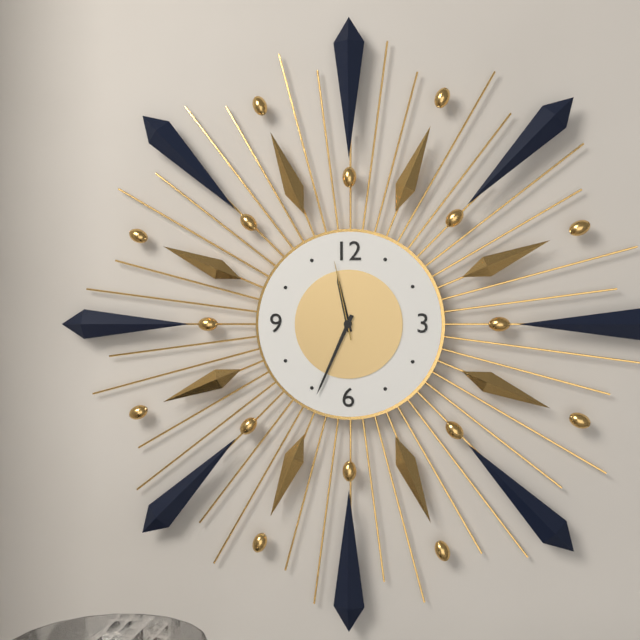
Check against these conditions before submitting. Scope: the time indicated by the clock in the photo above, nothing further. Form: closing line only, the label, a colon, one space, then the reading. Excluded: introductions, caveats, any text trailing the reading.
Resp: 11:34:58
